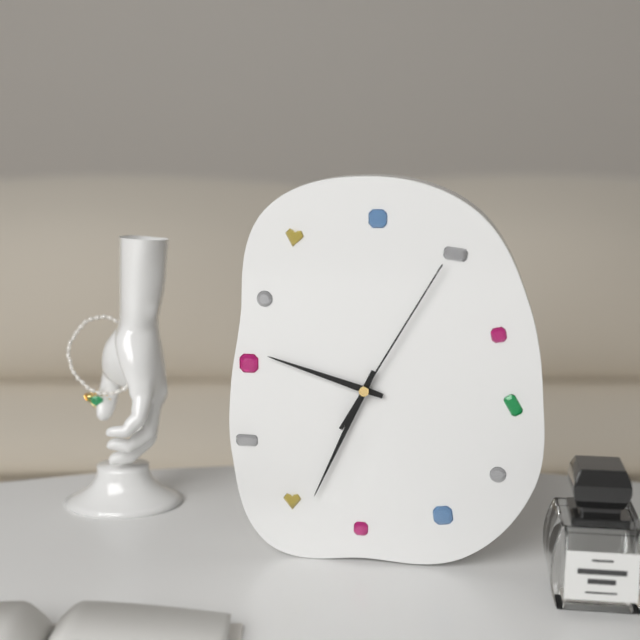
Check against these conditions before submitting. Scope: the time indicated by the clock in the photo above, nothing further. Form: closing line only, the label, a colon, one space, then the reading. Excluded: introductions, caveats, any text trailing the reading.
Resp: 9:34:05
